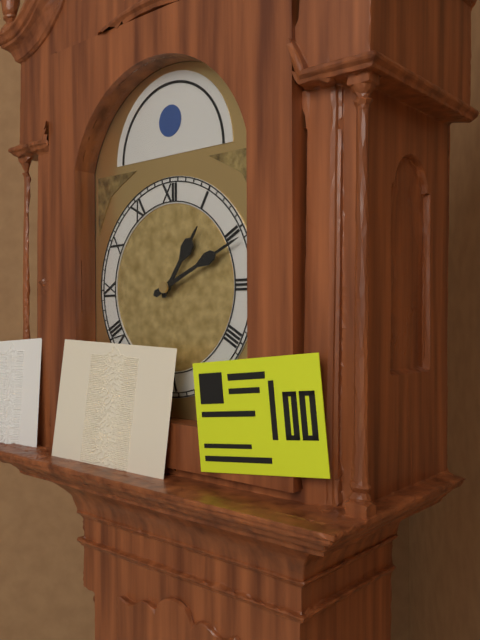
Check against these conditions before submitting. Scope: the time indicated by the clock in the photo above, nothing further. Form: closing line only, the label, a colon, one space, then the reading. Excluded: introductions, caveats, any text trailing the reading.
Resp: 1:11
